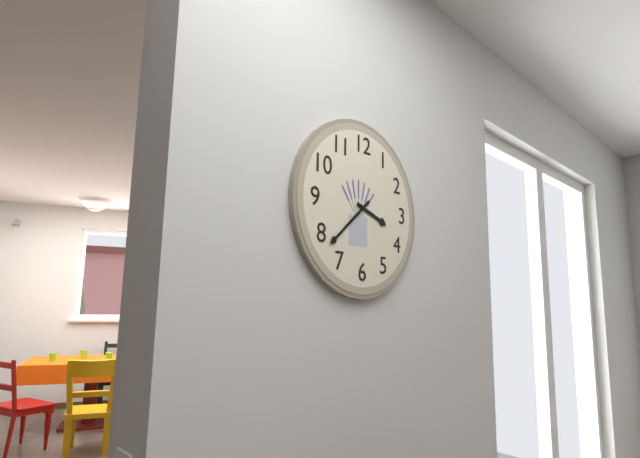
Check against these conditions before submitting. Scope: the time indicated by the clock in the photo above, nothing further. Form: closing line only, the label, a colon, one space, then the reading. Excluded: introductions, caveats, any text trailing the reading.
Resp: 3:38
